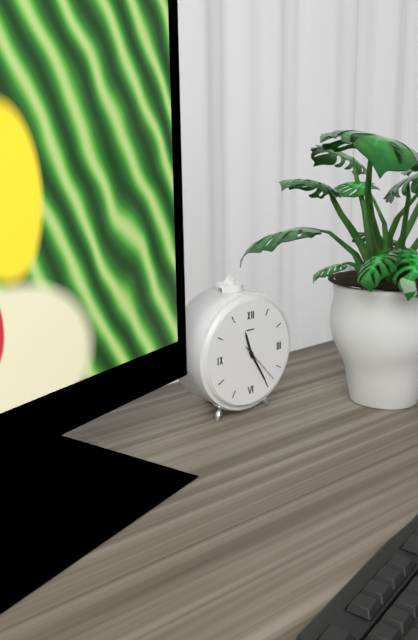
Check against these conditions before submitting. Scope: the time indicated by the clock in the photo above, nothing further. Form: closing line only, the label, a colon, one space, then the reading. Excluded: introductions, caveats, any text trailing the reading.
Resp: 11:25
